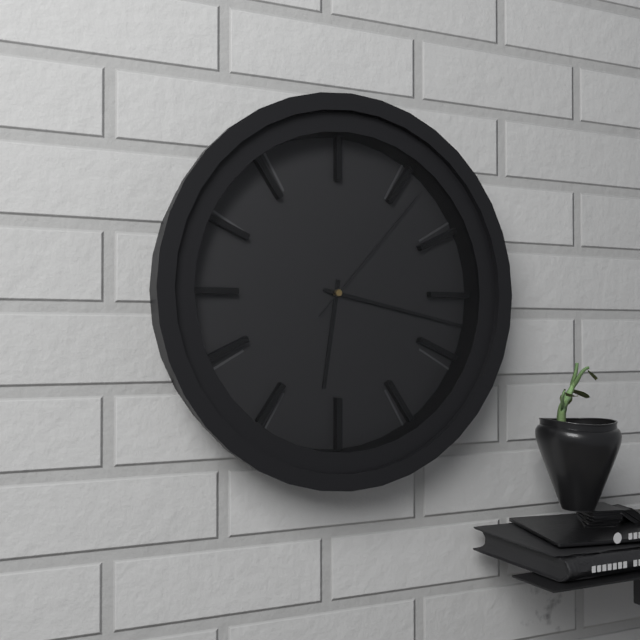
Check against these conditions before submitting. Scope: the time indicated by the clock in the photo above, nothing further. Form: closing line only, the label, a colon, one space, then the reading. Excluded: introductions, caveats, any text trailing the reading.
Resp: 6:17:07
